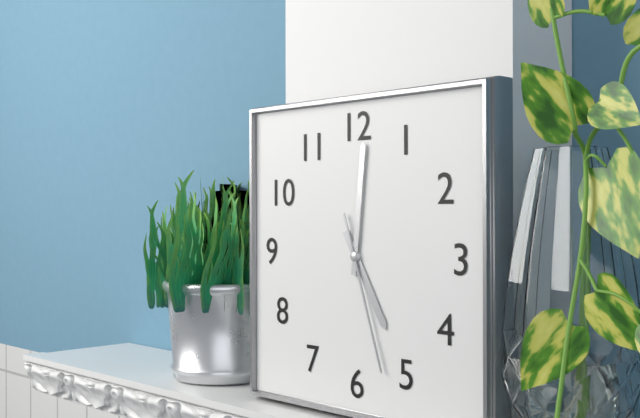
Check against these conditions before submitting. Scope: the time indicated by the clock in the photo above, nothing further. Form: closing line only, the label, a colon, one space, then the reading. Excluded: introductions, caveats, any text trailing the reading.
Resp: 5:01:27
